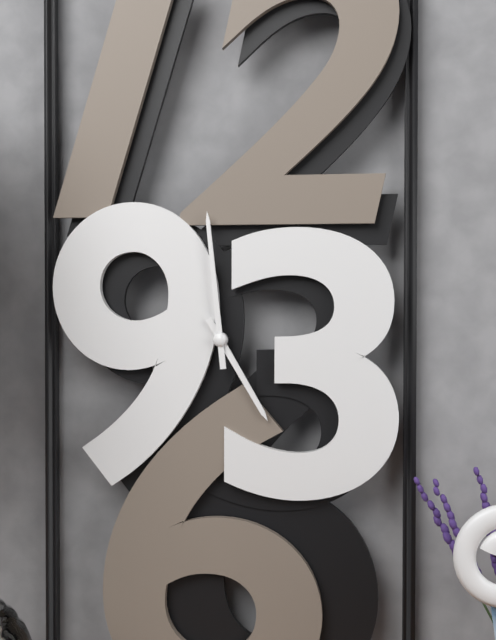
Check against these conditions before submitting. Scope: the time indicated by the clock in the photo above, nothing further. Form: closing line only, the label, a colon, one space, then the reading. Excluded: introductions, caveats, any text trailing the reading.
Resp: 4:59
